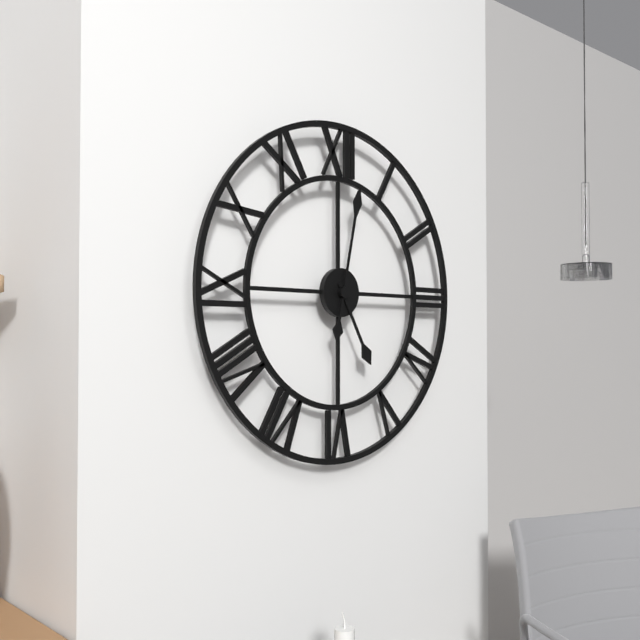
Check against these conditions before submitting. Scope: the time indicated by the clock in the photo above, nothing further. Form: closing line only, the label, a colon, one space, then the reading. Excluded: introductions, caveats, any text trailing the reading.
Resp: 5:02
